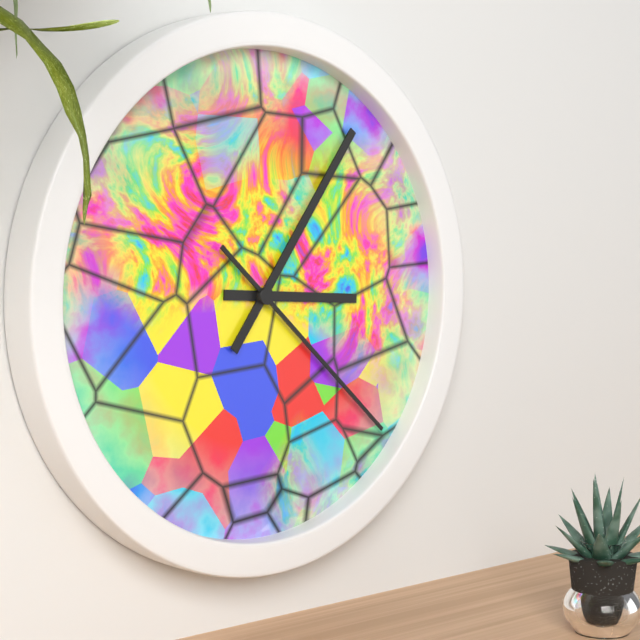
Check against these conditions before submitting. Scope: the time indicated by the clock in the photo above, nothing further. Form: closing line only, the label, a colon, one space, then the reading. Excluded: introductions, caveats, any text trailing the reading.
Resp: 3:06:22
